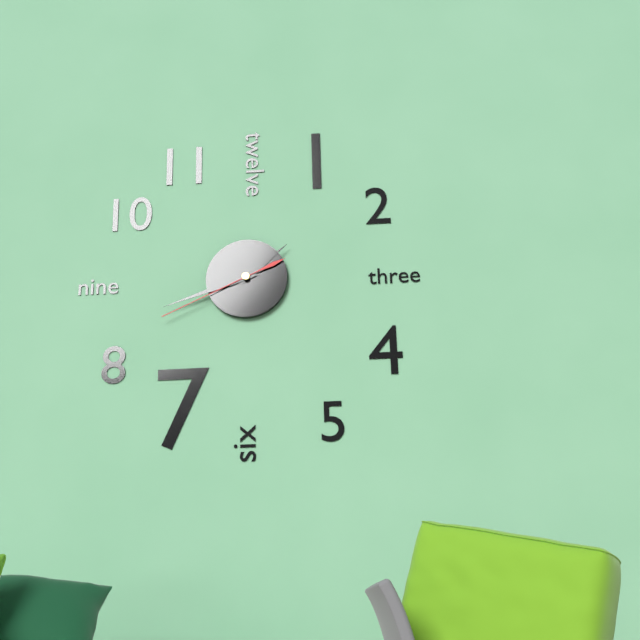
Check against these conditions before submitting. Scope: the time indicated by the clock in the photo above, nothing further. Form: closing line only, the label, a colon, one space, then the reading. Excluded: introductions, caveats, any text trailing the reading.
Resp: 1:42:41
